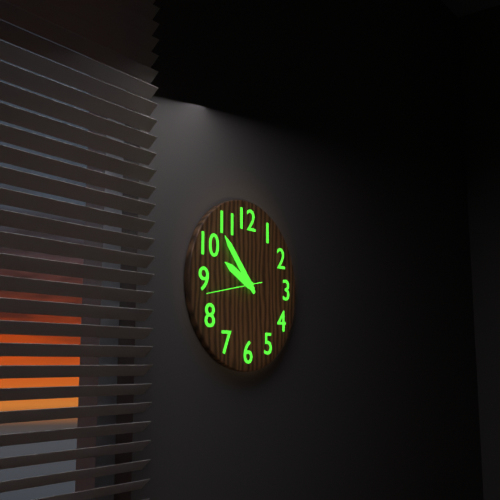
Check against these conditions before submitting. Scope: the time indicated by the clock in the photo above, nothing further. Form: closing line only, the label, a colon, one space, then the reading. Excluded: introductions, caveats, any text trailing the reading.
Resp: 9:53
